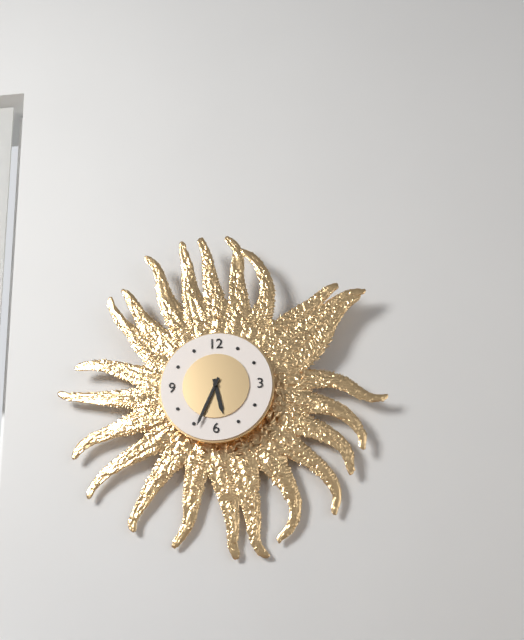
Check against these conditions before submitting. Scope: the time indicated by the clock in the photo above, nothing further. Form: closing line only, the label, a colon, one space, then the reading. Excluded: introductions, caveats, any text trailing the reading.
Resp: 5:34
